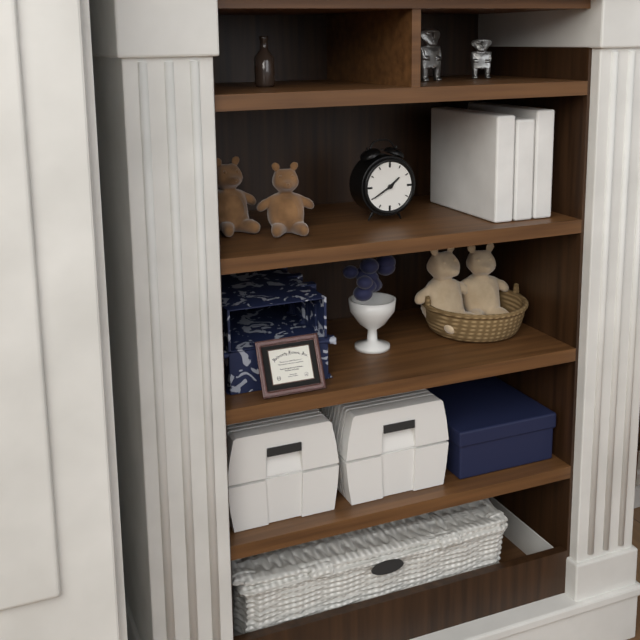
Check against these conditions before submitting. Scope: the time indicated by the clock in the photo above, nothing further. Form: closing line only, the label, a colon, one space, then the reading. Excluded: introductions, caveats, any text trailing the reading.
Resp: 1:40
